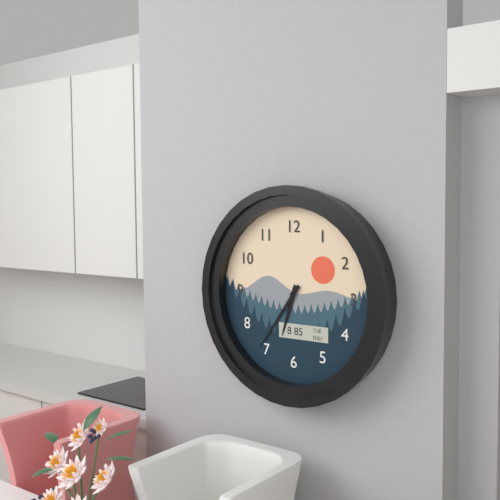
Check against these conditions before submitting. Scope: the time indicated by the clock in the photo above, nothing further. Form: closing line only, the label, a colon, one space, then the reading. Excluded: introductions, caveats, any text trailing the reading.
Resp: 6:36
